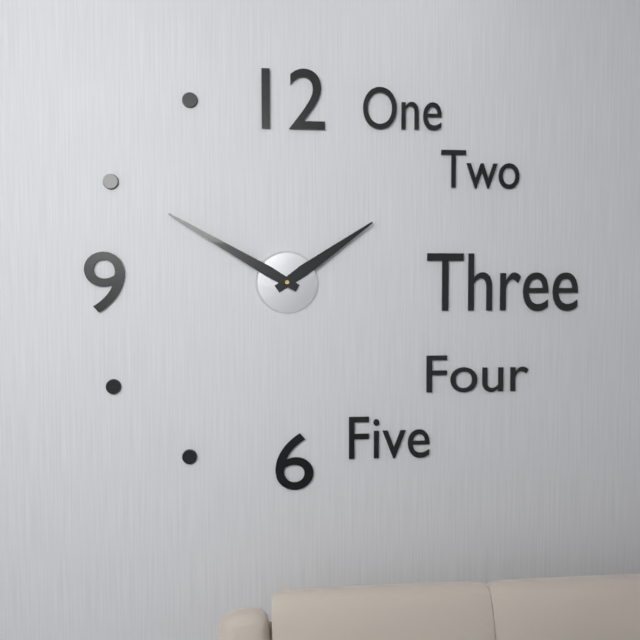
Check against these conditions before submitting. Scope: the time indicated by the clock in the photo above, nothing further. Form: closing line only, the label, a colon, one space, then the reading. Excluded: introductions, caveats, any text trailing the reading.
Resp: 1:50
